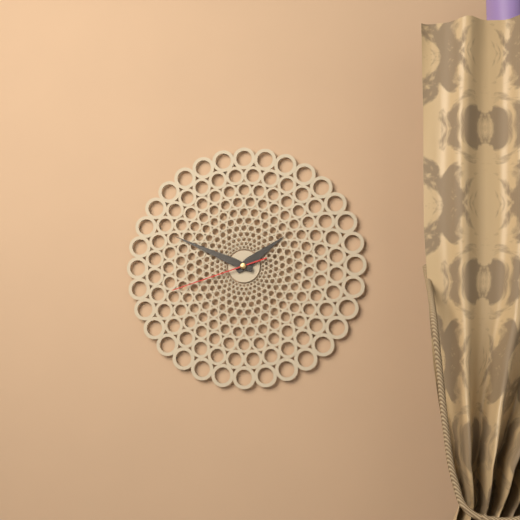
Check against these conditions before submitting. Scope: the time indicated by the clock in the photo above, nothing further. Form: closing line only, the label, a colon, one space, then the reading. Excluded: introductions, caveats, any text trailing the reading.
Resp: 1:49:42
